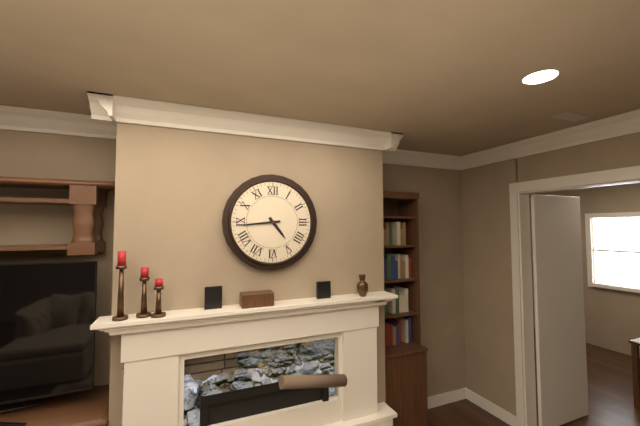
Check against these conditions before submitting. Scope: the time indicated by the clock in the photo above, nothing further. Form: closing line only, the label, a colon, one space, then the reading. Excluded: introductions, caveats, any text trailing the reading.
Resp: 4:44
